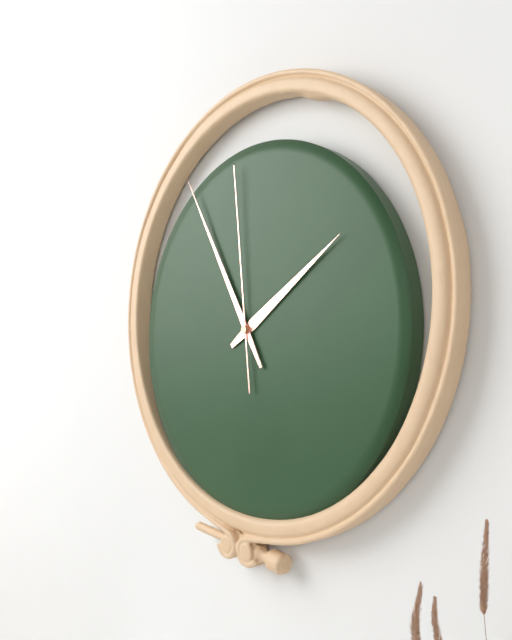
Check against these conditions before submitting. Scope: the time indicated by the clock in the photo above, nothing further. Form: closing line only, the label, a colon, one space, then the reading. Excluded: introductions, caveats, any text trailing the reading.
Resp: 1:55:59
